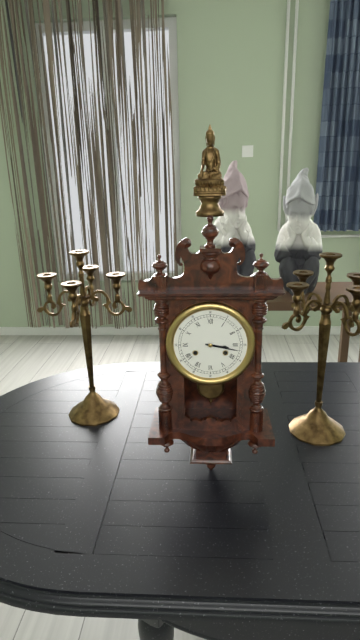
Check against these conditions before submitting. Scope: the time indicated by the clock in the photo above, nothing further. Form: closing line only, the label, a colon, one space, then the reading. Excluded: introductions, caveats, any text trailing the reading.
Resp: 3:17
